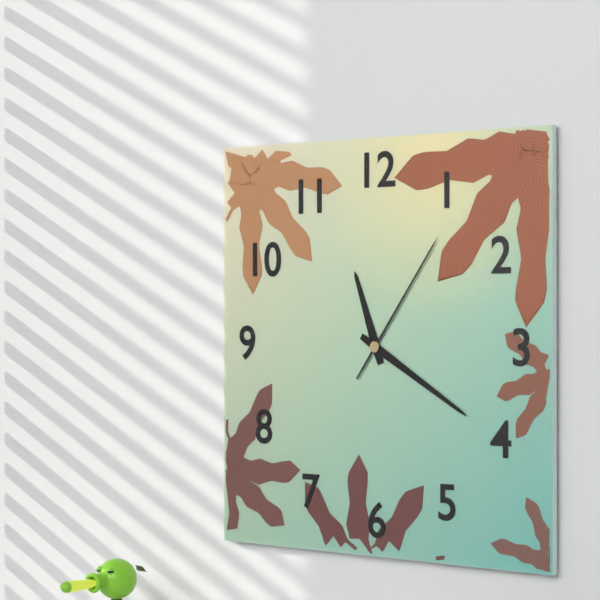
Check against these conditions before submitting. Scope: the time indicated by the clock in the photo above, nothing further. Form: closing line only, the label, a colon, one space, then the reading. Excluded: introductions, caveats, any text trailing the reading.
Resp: 11:20:06
